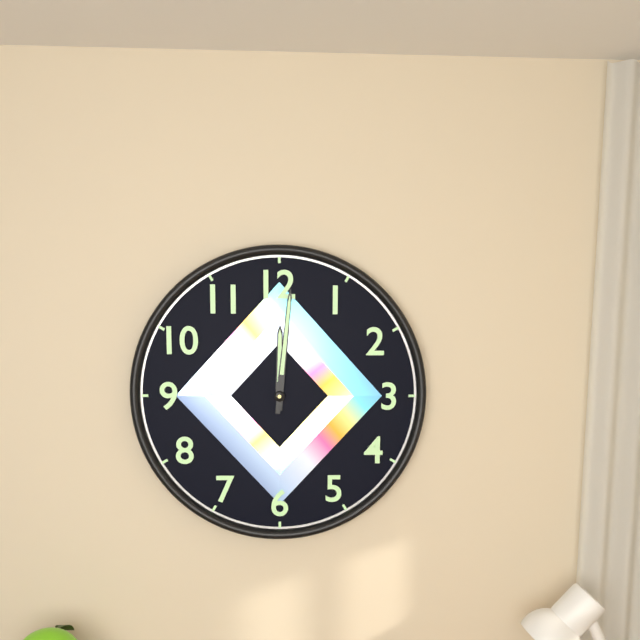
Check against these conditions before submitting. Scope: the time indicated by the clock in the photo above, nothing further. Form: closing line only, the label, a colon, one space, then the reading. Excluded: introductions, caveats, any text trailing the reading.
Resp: 12:01
